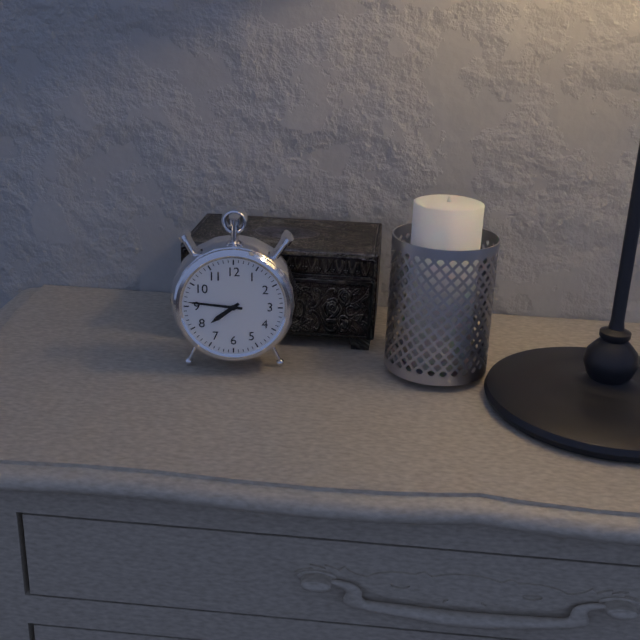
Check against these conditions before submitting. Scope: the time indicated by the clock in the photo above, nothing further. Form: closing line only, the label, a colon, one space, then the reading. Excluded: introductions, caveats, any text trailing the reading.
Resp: 7:46
